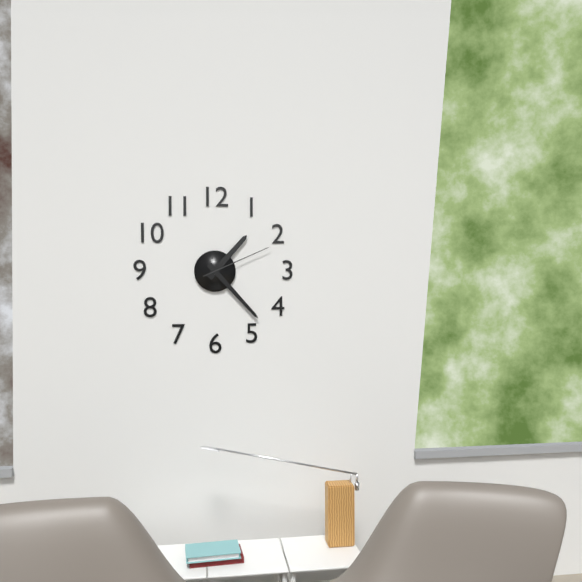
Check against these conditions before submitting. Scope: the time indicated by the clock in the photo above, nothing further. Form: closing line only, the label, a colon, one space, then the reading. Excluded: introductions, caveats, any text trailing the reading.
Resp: 1:23:11
